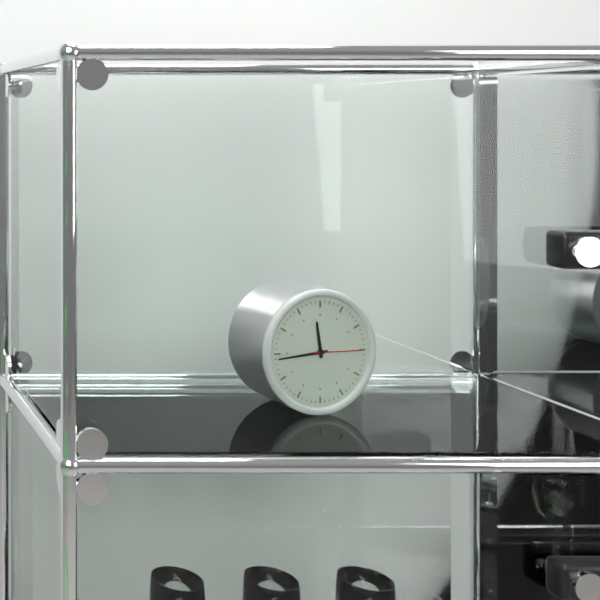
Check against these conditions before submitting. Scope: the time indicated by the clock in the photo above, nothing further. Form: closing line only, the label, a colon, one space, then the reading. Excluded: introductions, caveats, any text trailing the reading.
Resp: 11:44:15
